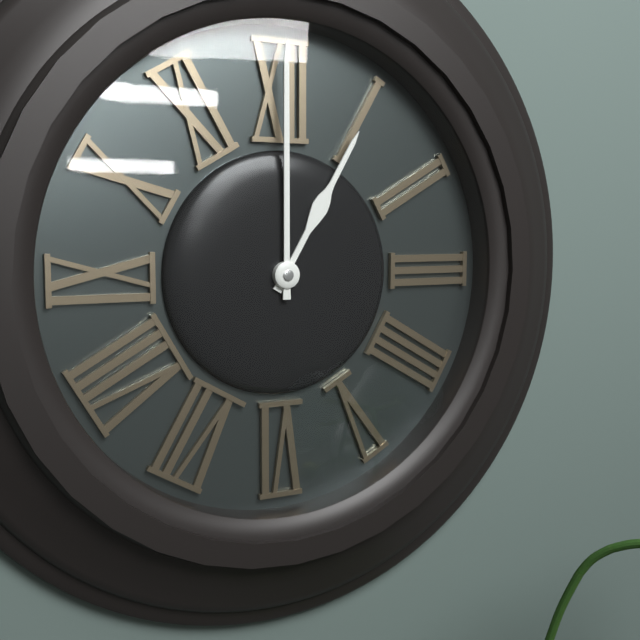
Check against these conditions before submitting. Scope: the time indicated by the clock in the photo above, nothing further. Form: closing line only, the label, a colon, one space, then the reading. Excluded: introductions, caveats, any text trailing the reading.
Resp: 1:00
